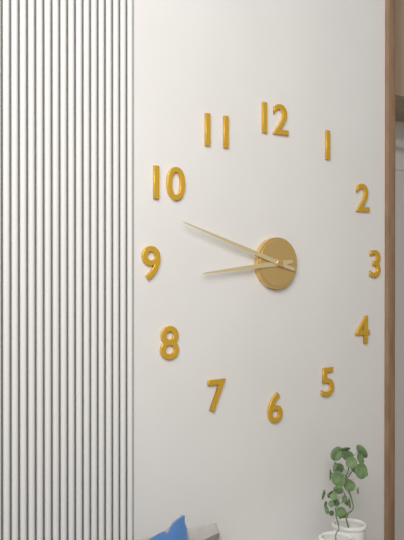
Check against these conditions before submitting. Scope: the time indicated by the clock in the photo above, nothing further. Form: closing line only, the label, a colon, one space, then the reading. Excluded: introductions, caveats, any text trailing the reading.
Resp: 8:48
